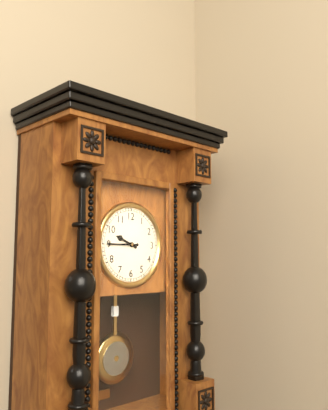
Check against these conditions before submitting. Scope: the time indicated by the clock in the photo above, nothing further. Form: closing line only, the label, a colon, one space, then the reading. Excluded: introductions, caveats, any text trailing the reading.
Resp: 9:45
